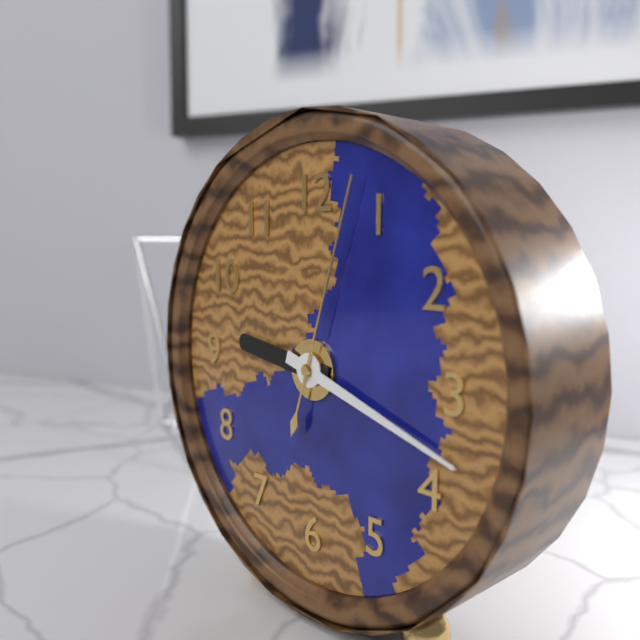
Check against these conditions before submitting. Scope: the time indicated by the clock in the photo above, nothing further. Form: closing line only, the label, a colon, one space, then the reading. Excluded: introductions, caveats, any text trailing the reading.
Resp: 9:18:03
